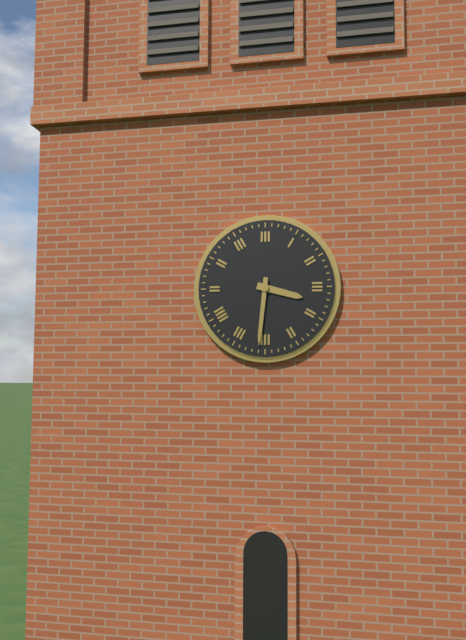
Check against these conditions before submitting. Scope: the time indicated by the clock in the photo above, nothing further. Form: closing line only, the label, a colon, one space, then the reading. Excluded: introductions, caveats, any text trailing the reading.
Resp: 3:31
